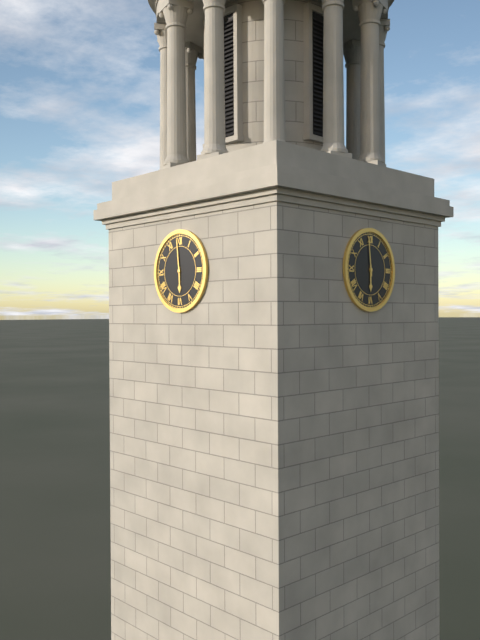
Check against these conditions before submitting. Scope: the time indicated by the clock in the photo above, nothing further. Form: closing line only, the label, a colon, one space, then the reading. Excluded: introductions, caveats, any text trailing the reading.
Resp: 5:59
